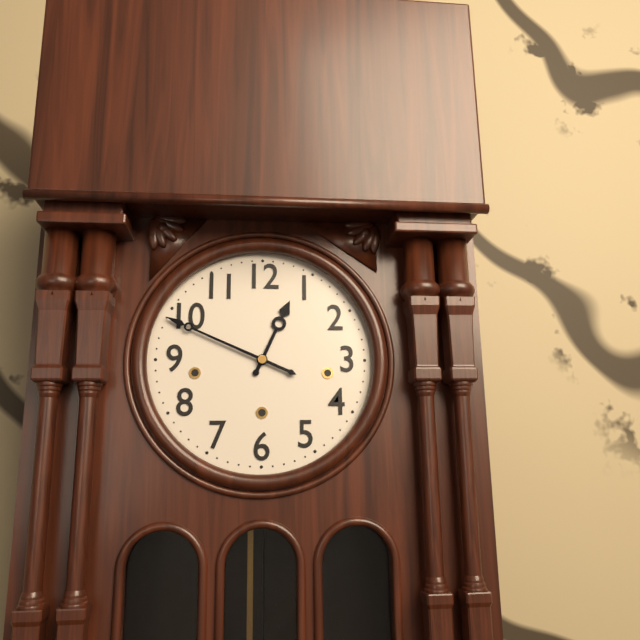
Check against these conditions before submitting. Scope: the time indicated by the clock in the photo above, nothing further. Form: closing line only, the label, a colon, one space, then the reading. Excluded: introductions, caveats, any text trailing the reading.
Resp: 12:49
